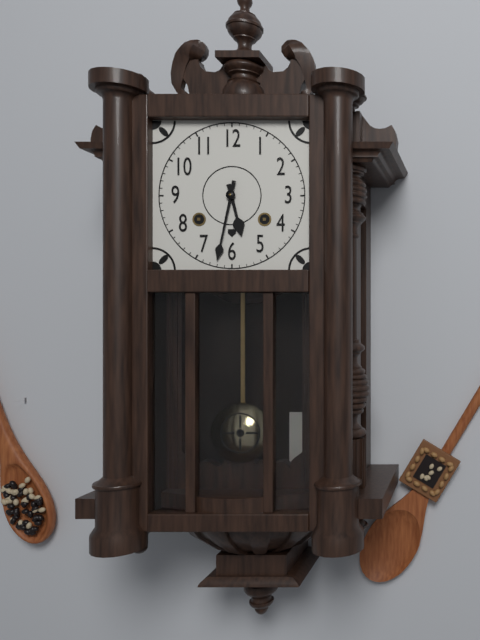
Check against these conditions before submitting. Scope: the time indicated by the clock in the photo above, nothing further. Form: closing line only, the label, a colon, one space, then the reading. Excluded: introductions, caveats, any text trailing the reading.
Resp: 5:32
